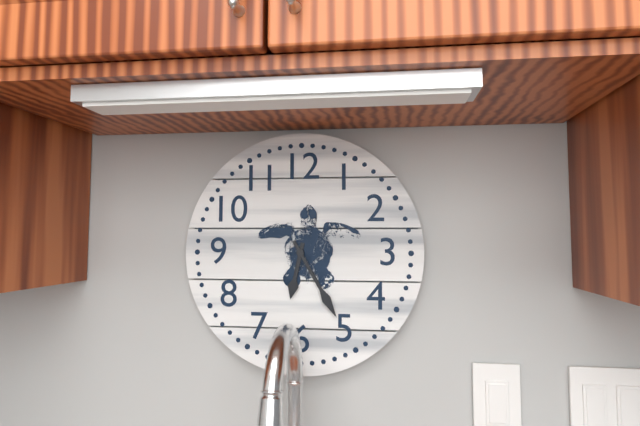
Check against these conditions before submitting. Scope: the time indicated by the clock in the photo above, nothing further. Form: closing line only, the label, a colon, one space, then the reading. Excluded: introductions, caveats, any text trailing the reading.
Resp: 6:25
